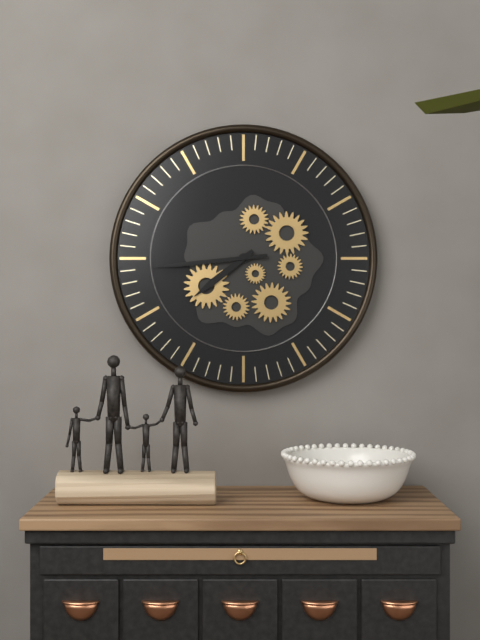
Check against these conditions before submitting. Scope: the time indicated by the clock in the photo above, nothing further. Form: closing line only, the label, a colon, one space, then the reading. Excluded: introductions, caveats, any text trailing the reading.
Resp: 7:44
